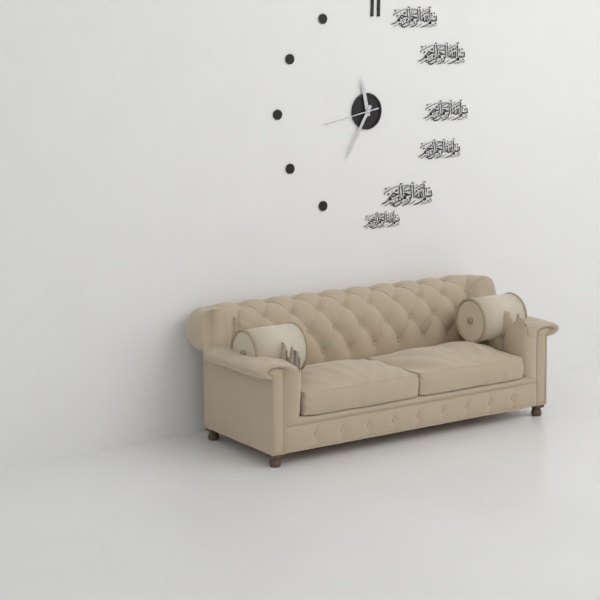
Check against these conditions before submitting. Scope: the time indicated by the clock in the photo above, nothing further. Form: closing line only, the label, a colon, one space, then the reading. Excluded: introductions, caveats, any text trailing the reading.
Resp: 11:35:43
